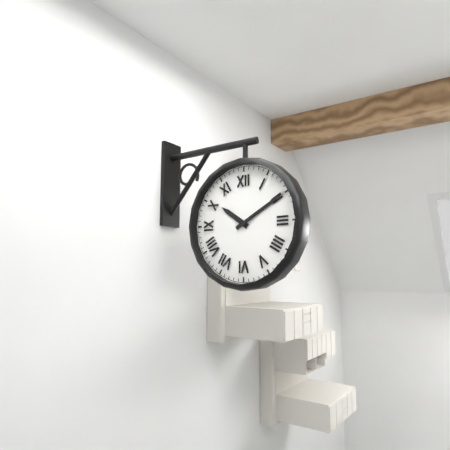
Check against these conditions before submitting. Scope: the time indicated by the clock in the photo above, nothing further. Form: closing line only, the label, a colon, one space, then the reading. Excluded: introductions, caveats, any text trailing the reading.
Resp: 10:10
